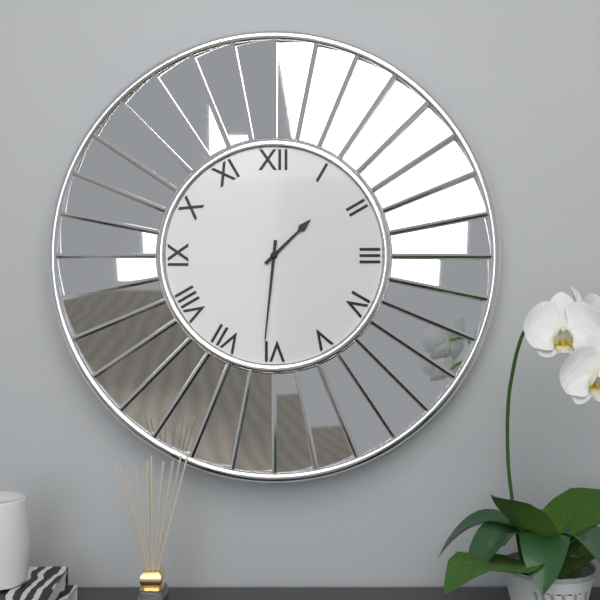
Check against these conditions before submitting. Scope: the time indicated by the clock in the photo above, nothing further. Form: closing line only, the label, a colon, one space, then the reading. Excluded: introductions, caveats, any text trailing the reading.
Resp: 1:31
